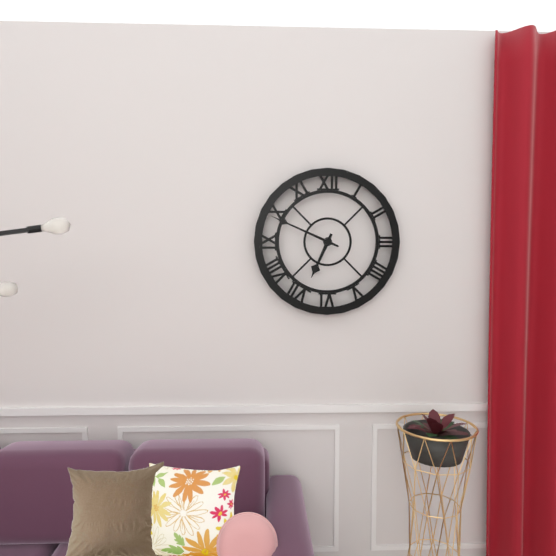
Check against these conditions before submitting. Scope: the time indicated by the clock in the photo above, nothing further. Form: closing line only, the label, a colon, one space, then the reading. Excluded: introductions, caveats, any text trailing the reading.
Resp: 6:49
